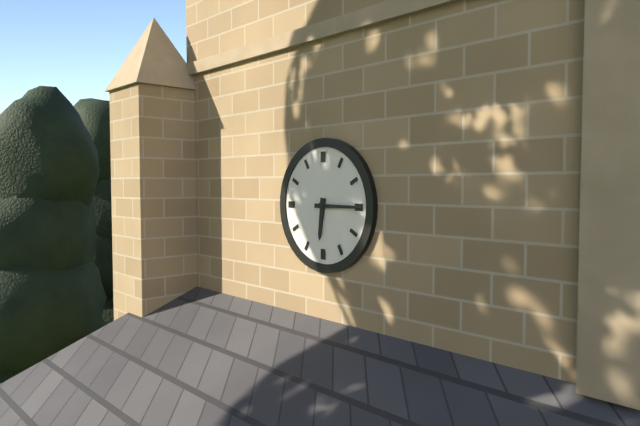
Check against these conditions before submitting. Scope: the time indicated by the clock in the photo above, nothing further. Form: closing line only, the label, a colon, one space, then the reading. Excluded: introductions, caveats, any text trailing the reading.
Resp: 6:15
